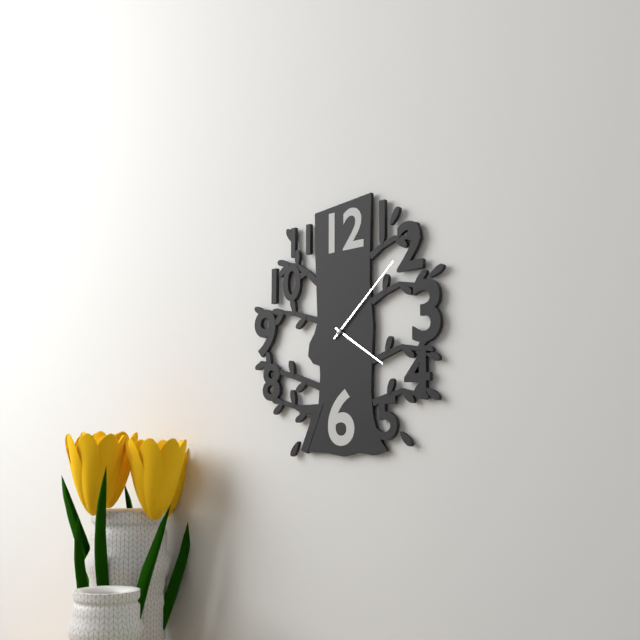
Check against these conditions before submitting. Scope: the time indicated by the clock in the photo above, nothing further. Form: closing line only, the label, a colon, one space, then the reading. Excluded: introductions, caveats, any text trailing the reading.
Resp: 4:08
